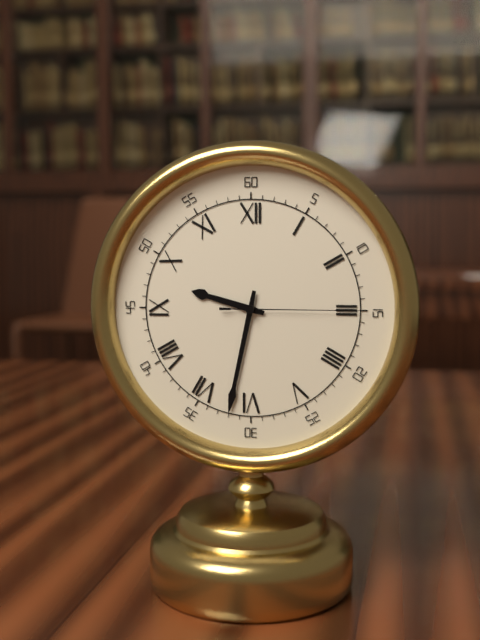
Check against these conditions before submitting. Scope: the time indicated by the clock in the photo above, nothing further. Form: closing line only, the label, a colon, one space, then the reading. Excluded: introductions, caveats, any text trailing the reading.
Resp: 9:32:15
